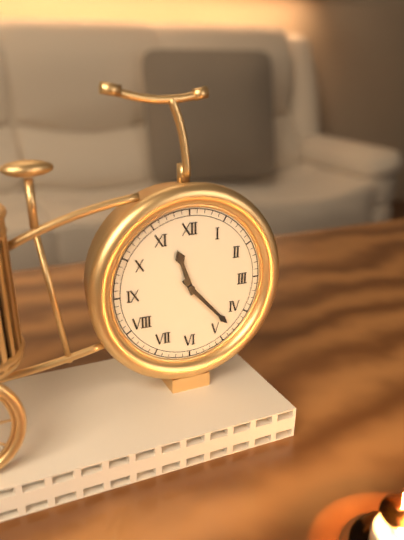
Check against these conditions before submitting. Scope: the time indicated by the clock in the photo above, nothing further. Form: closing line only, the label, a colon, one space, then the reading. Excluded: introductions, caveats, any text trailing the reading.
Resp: 11:23
